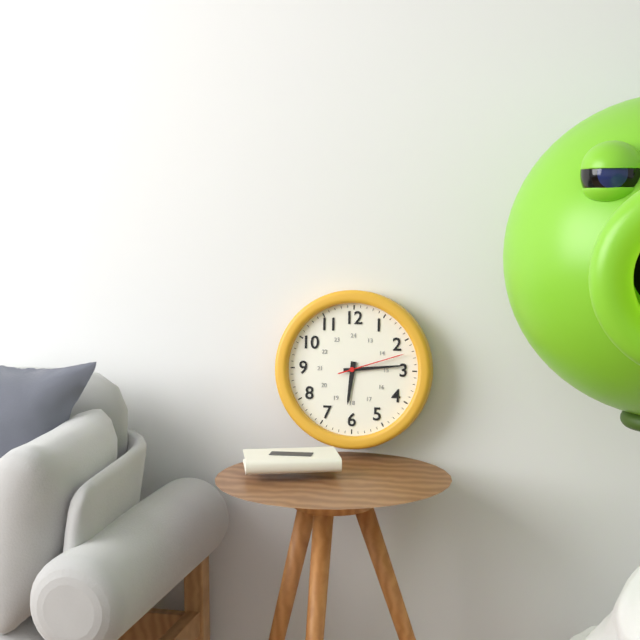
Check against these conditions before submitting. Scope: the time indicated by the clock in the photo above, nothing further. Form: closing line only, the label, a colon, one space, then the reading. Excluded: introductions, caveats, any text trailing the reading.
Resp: 6:14:12
